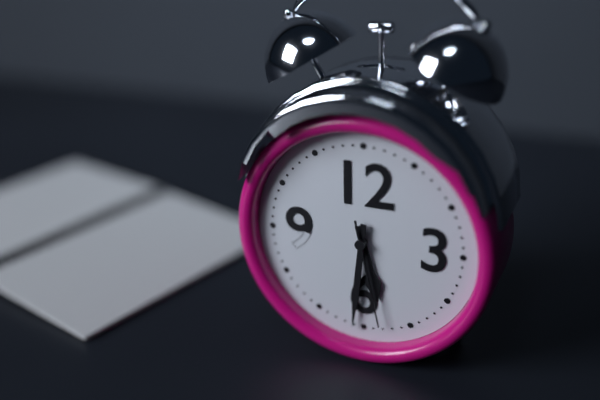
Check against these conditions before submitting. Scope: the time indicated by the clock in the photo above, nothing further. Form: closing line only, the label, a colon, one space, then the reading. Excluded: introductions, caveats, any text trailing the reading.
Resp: 5:31:28
